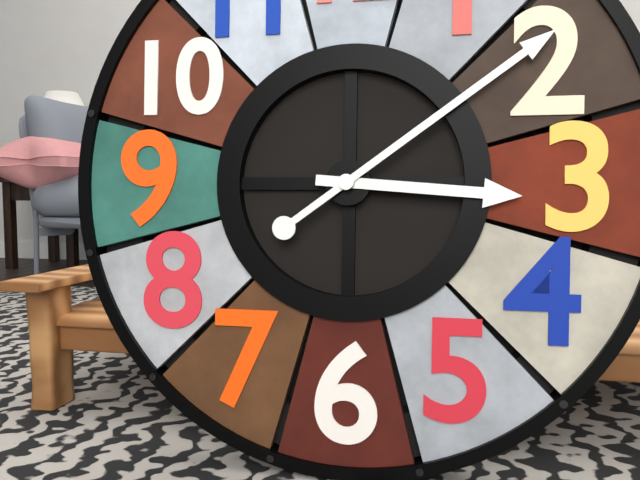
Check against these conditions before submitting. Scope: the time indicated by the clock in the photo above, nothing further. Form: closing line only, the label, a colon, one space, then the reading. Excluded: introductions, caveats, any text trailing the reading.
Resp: 3:09
